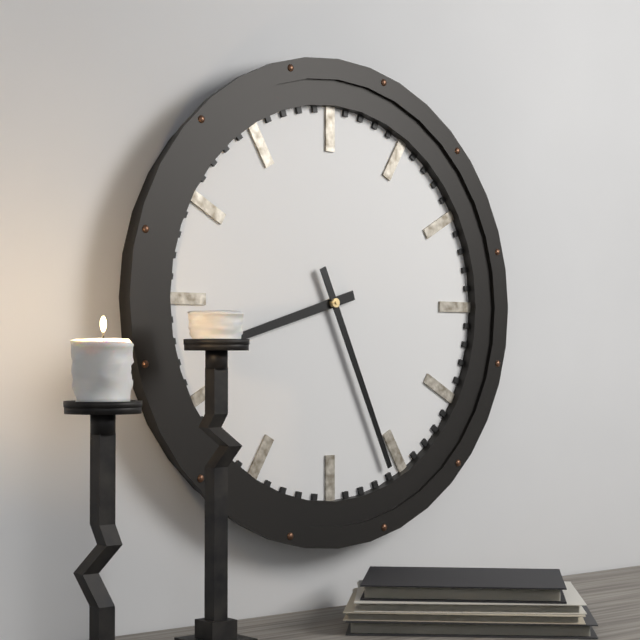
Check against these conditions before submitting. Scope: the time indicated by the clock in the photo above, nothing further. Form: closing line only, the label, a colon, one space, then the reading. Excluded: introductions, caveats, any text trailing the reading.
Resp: 8:26
